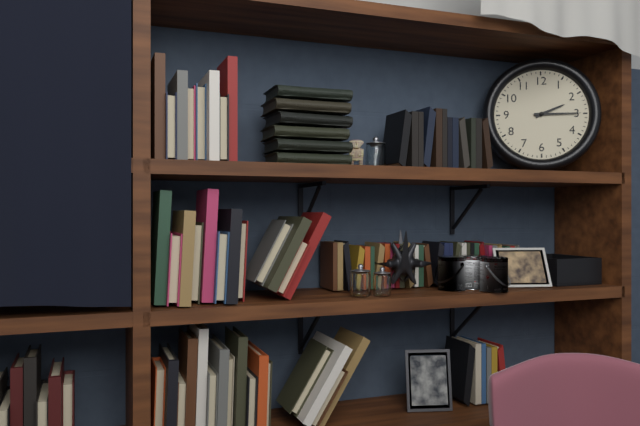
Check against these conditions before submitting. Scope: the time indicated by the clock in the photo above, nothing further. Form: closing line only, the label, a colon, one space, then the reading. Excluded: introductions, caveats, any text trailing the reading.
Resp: 2:15
